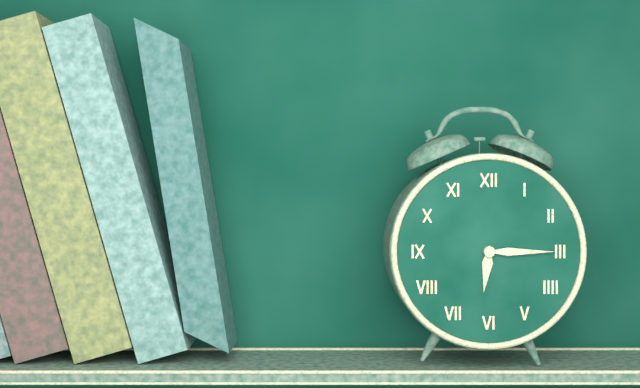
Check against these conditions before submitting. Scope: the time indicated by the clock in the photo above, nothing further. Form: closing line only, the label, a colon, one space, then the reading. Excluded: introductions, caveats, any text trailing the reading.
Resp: 6:15
